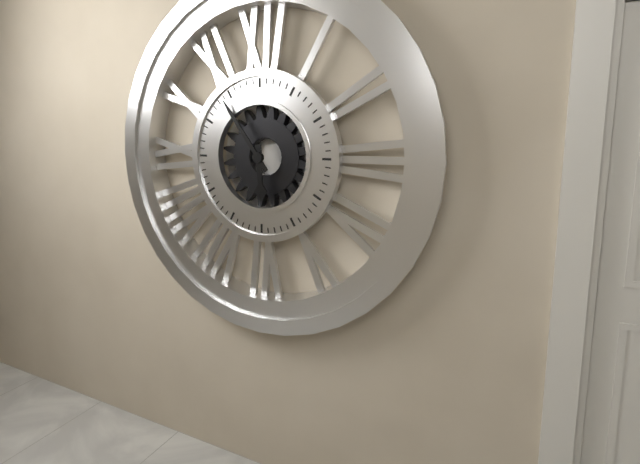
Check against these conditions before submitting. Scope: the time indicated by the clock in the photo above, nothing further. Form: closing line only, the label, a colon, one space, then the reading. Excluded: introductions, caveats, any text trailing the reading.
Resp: 5:54
